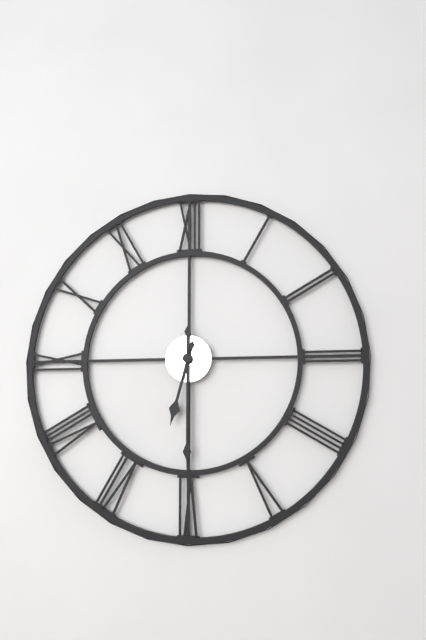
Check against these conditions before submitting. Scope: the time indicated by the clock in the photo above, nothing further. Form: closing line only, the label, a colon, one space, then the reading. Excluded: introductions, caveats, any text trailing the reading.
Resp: 6:30
